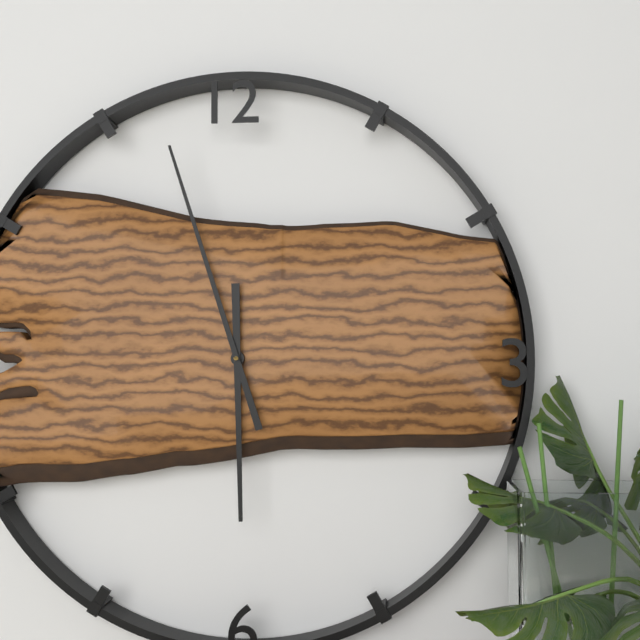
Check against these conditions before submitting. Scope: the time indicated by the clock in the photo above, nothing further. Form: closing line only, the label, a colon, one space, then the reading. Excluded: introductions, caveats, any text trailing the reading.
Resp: 5:57
